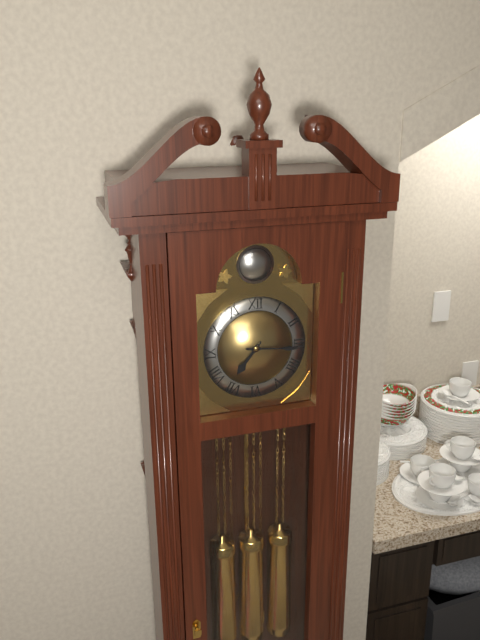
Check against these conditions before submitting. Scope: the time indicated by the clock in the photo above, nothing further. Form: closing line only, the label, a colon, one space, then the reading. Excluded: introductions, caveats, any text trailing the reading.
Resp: 7:16
